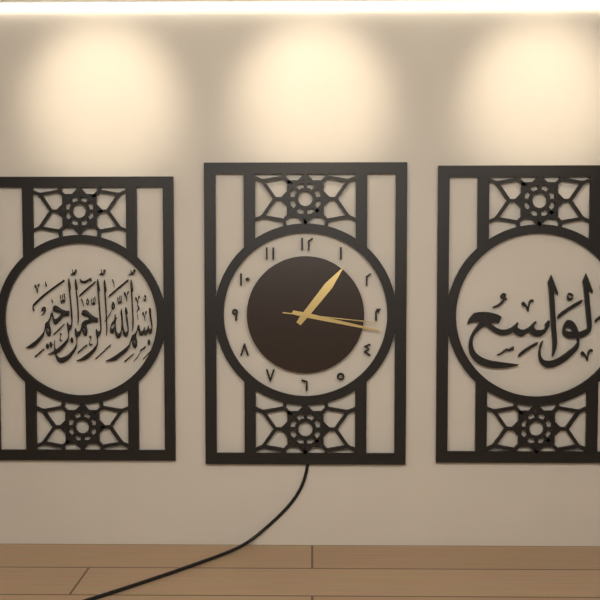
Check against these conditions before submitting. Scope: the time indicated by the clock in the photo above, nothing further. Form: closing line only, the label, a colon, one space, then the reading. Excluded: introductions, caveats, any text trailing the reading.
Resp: 1:17:16
